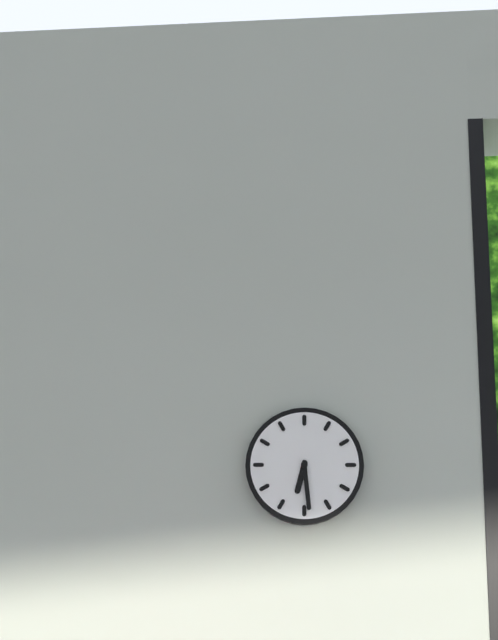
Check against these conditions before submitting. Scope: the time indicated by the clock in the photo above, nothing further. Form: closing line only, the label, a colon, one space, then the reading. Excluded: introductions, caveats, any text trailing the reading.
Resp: 6:29
